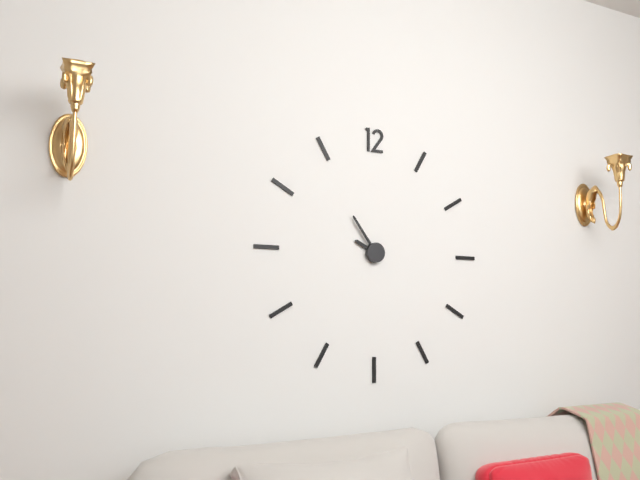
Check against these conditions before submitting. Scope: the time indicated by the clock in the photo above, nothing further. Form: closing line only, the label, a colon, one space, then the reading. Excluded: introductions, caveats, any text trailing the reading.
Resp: 9:54
